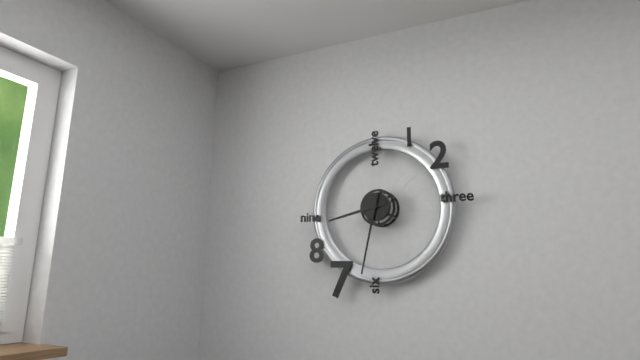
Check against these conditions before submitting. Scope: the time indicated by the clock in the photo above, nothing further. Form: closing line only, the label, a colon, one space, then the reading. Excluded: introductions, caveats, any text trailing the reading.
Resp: 8:32
